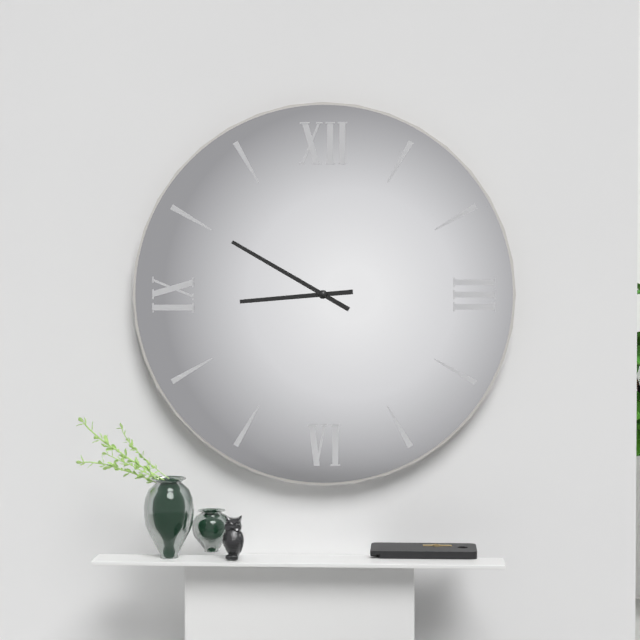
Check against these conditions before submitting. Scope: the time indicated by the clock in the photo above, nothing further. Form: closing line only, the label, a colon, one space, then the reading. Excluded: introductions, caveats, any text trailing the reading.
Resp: 8:50
